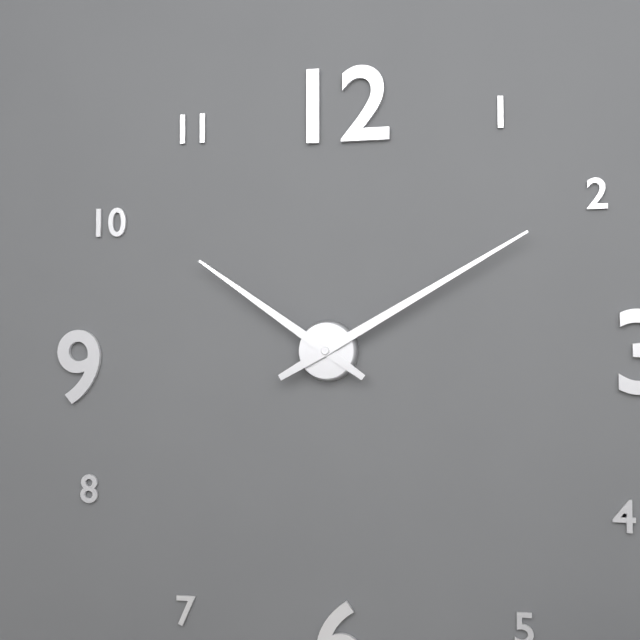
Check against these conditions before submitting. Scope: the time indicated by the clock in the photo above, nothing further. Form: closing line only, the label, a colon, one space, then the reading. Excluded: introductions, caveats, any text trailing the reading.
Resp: 10:10
